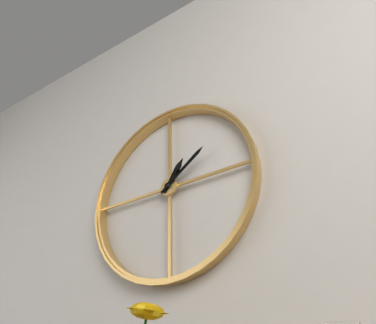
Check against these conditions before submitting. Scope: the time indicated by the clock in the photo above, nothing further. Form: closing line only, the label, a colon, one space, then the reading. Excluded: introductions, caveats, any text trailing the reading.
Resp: 1:09
